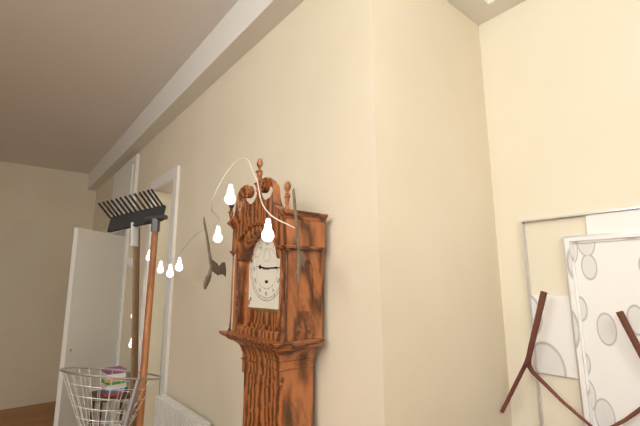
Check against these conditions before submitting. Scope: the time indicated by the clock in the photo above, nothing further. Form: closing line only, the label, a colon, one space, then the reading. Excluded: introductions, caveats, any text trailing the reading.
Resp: 9:15
